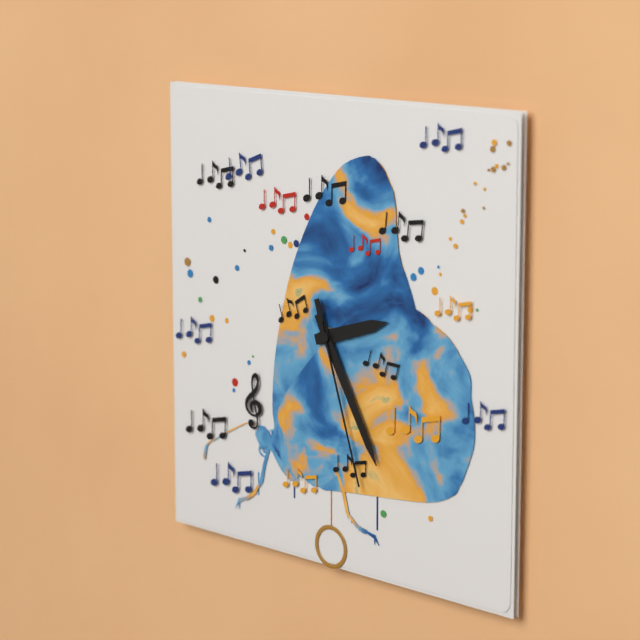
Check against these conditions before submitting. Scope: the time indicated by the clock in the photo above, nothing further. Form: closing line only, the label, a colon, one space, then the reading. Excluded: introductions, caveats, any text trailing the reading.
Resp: 2:25:27
